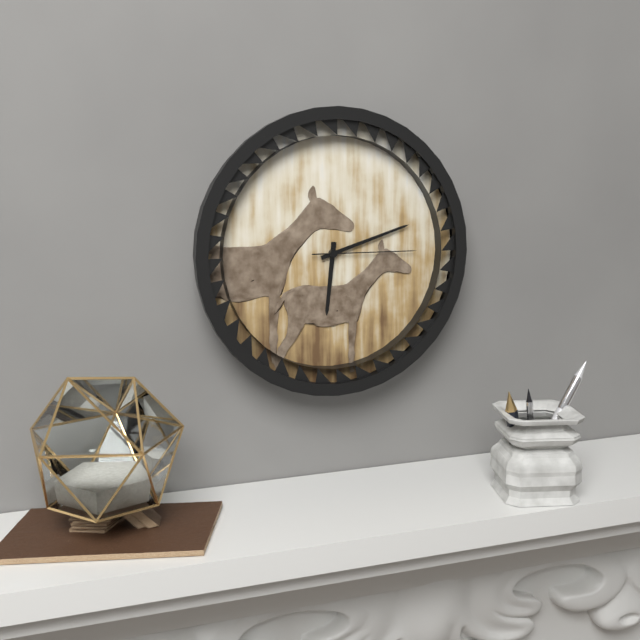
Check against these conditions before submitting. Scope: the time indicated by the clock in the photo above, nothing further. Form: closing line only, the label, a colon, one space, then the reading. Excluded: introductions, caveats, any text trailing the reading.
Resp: 6:12:15
